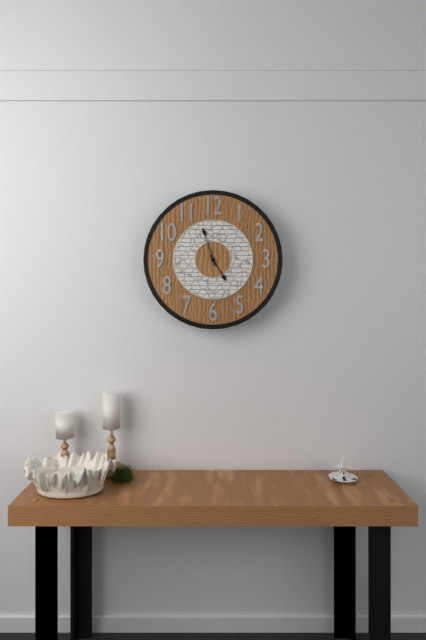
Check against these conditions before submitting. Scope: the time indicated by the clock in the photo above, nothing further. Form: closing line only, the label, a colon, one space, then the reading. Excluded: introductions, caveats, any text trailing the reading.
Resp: 4:57
